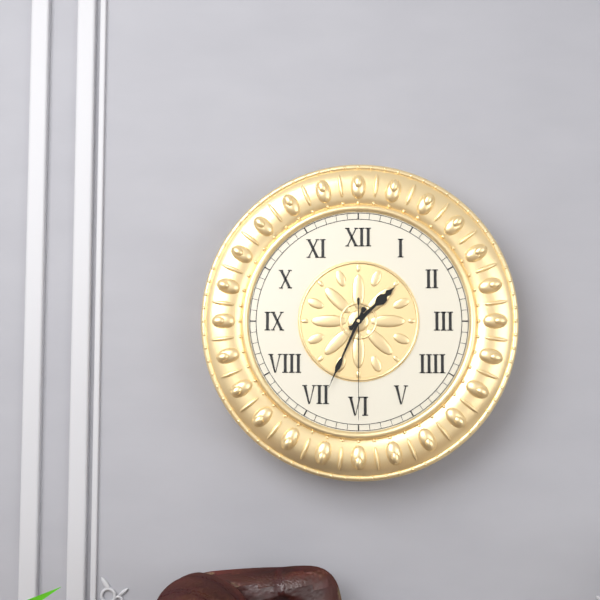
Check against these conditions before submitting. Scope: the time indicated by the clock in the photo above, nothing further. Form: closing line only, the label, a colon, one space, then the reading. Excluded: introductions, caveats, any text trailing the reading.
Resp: 1:34:30
